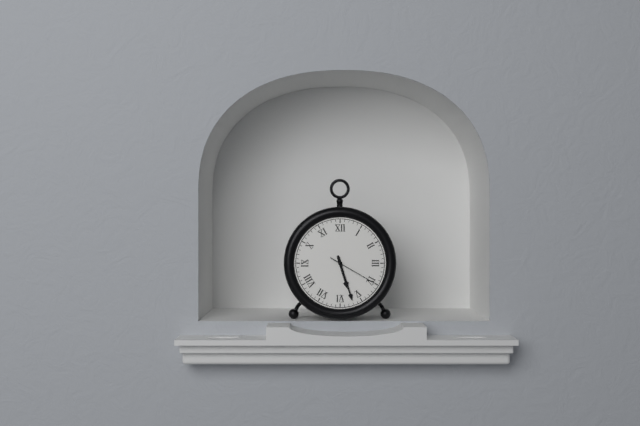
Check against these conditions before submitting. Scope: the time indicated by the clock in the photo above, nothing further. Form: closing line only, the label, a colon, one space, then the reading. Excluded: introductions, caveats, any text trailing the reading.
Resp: 5:27:20
